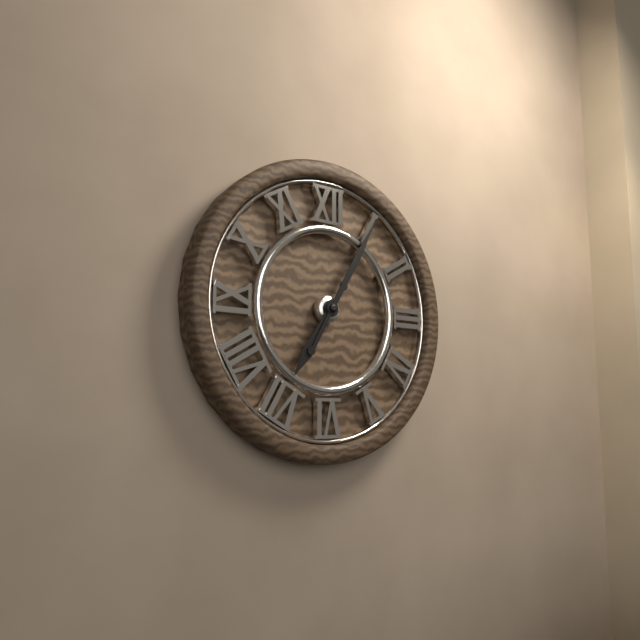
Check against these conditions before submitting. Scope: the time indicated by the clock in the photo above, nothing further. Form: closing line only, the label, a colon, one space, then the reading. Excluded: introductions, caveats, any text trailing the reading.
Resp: 7:05
